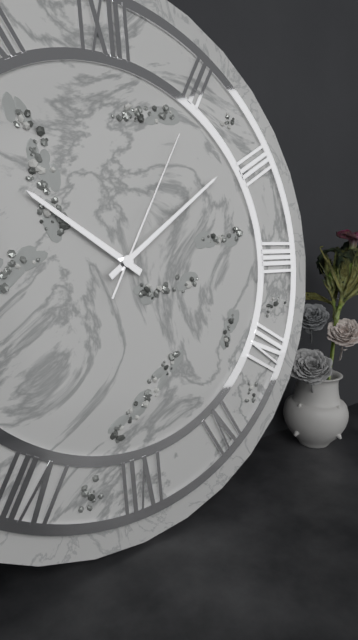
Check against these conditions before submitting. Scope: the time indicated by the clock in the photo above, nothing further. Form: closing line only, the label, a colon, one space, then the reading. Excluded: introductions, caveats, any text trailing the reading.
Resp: 10:09:05
